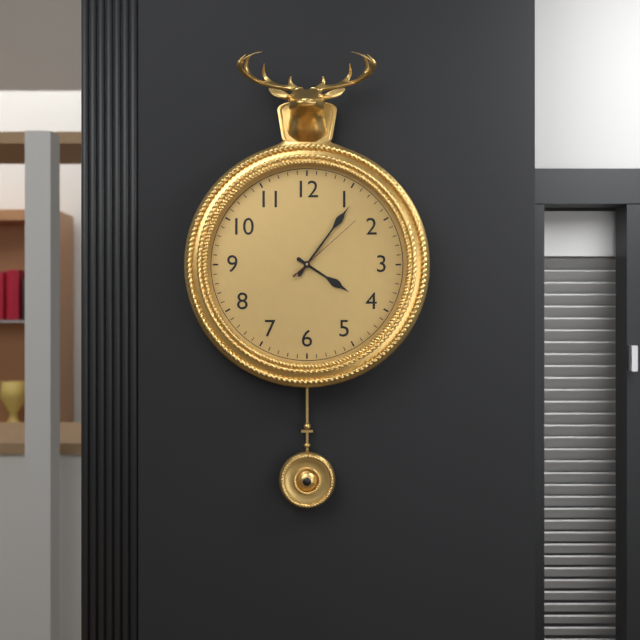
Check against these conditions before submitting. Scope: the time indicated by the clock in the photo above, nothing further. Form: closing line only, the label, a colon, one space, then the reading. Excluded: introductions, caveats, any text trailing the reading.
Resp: 4:06:08
